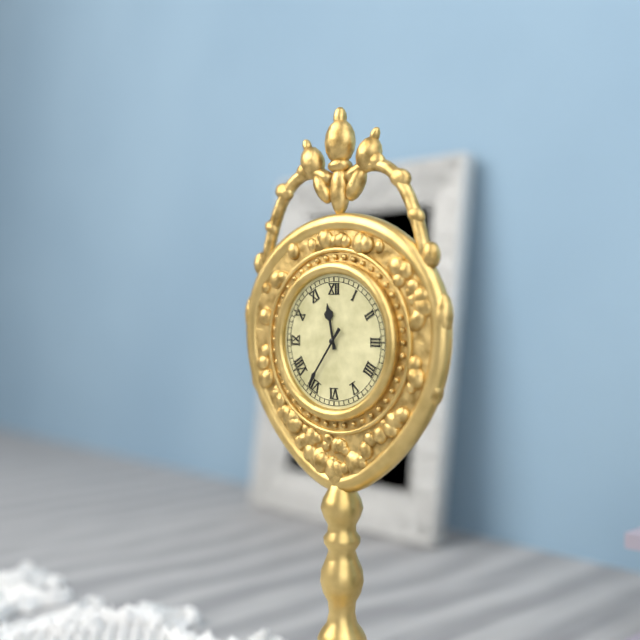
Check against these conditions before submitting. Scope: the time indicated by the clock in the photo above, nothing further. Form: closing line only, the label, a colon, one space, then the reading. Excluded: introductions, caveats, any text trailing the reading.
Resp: 11:36
